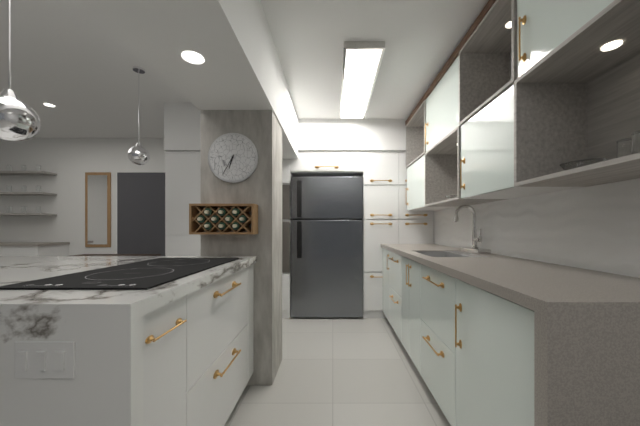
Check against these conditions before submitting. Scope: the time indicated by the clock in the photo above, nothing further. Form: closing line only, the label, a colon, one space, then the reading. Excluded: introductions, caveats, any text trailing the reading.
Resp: 6:35
